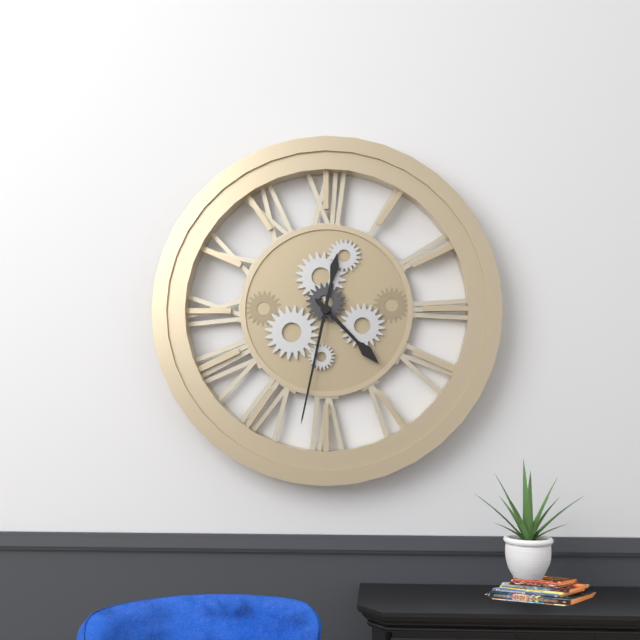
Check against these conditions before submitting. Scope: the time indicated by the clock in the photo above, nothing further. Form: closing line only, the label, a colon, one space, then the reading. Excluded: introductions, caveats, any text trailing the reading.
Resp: 4:32
